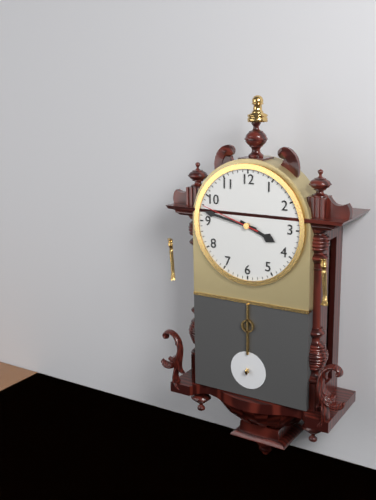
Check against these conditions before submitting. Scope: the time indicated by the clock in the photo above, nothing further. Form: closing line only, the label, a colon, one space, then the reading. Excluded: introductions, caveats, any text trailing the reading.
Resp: 3:47:48
